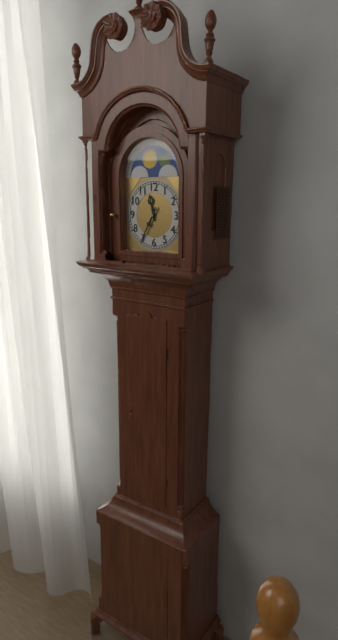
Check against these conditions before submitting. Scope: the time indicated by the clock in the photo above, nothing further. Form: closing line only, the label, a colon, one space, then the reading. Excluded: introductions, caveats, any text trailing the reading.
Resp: 11:35
